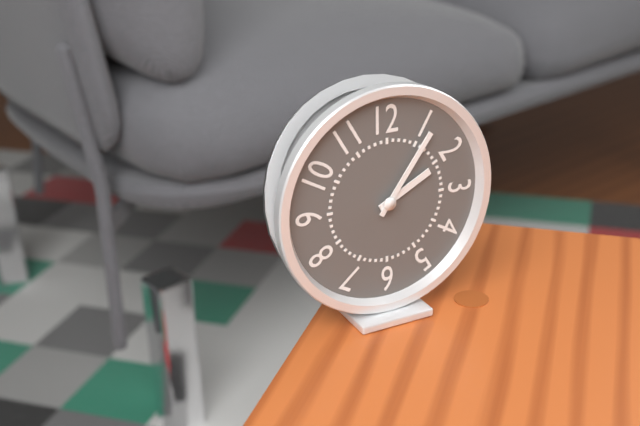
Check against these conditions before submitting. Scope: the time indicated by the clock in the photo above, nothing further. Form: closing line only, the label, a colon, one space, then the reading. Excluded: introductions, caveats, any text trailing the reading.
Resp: 2:06
